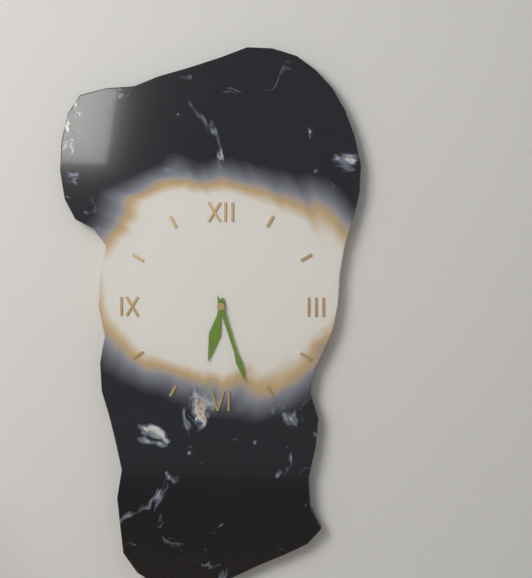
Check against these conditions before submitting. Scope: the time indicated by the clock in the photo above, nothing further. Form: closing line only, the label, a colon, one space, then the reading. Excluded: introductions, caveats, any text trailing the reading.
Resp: 6:27
